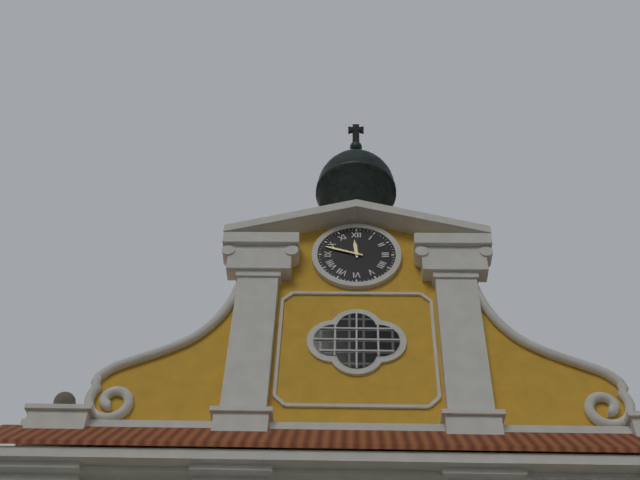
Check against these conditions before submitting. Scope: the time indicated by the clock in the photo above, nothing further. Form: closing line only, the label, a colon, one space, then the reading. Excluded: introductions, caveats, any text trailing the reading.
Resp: 11:48
